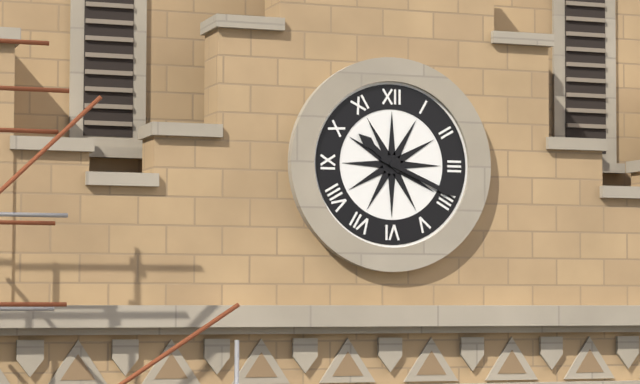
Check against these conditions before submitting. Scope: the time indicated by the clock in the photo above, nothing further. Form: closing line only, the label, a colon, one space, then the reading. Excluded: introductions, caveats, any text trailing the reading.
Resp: 10:19
